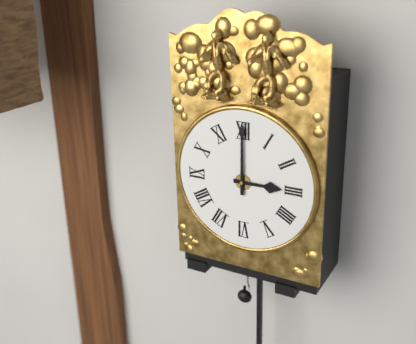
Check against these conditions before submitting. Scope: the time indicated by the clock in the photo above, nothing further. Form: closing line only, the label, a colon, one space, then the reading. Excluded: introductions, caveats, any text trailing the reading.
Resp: 3:00
